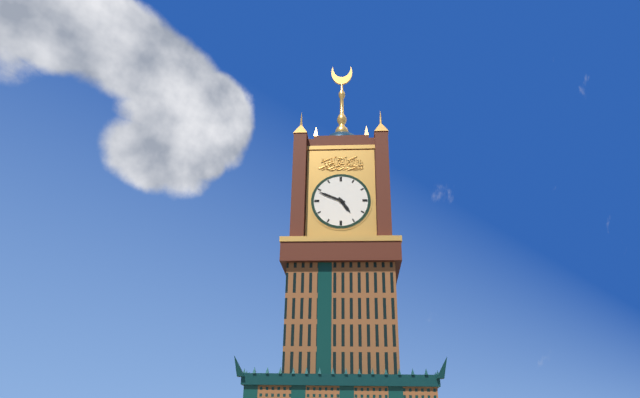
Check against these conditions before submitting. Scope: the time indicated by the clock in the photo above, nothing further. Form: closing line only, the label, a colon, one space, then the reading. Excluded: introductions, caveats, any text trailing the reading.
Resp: 4:49
